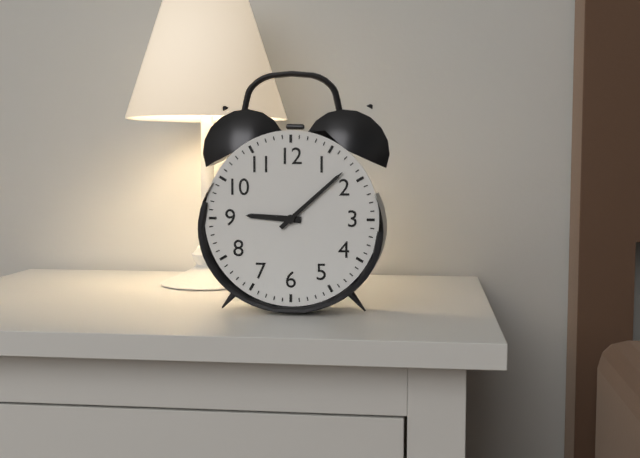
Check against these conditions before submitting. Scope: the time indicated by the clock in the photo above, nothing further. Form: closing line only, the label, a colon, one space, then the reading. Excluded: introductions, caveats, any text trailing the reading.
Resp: 9:08
